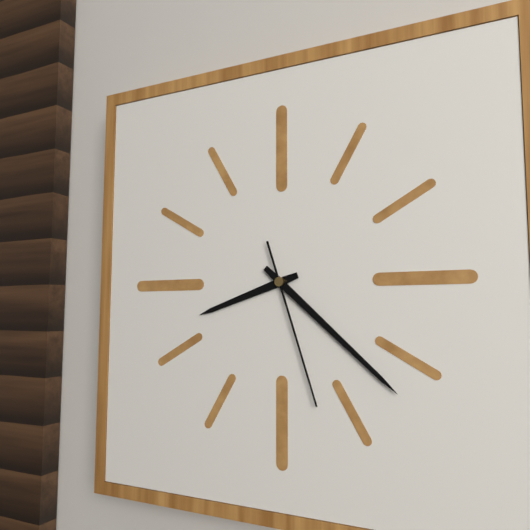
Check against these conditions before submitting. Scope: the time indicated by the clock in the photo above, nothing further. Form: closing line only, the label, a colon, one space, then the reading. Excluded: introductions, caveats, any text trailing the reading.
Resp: 8:22:27
